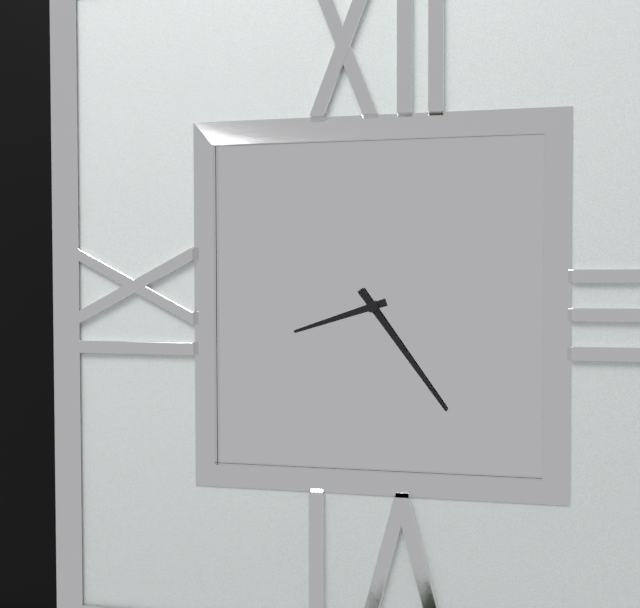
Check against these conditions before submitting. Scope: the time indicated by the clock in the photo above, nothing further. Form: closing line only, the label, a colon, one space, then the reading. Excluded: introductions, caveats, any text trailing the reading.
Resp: 8:24
